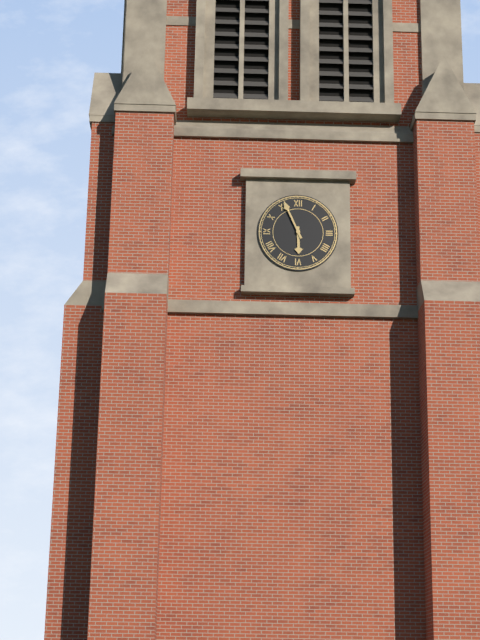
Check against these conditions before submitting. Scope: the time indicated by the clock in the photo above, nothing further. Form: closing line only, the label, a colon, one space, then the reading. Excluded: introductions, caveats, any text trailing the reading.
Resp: 5:56
